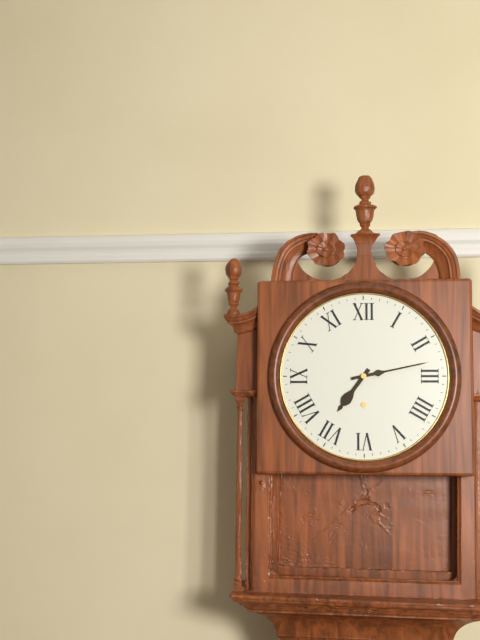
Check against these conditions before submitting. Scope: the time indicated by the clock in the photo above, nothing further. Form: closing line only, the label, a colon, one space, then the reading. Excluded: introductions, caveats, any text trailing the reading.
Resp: 7:13
